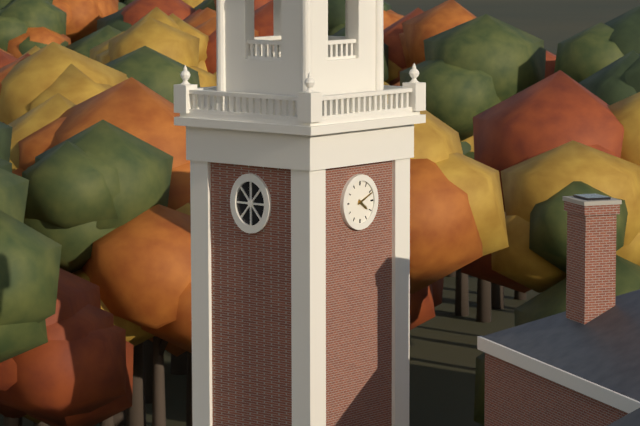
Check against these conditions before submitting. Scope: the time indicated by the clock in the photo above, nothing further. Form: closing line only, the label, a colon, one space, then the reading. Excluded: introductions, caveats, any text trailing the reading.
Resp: 4:11
